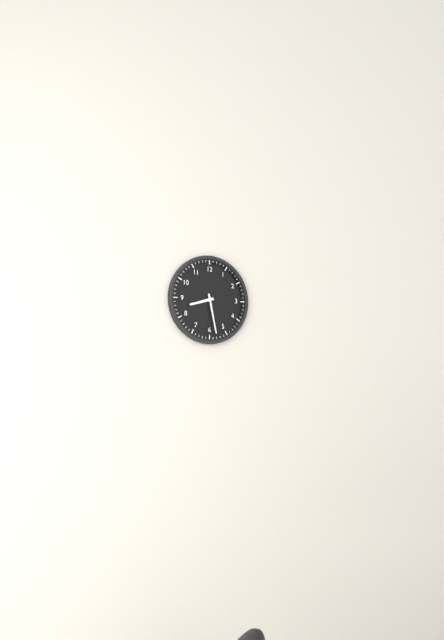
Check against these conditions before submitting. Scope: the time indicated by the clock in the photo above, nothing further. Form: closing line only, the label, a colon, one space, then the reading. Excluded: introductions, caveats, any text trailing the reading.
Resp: 8:28
